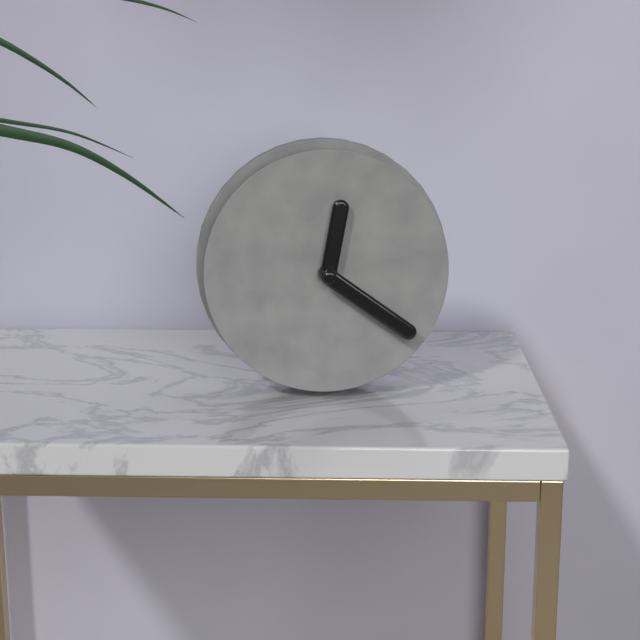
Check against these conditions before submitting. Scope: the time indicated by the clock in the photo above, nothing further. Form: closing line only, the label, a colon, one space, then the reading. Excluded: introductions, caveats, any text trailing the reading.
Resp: 12:21
